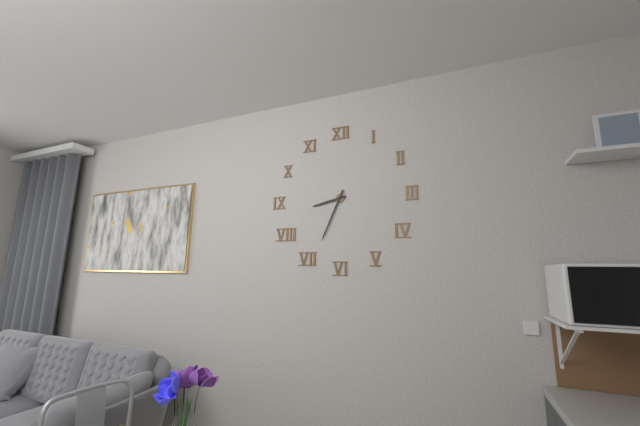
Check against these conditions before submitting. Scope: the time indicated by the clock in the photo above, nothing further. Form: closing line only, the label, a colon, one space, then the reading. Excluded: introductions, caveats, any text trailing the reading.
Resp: 8:34
